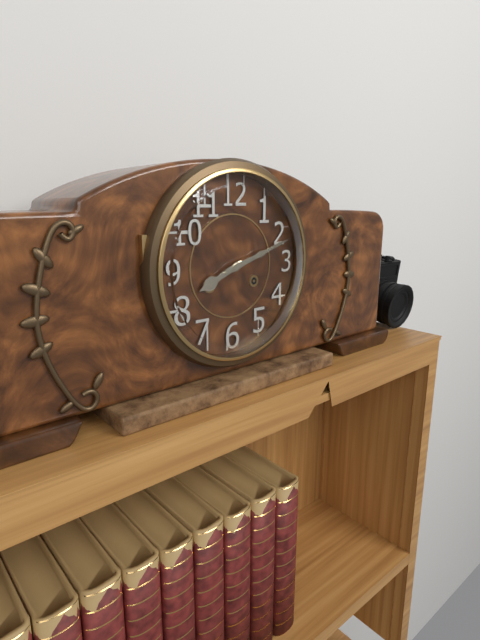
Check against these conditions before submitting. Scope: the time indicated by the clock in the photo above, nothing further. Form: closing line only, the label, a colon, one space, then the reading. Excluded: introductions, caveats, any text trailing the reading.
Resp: 8:12
